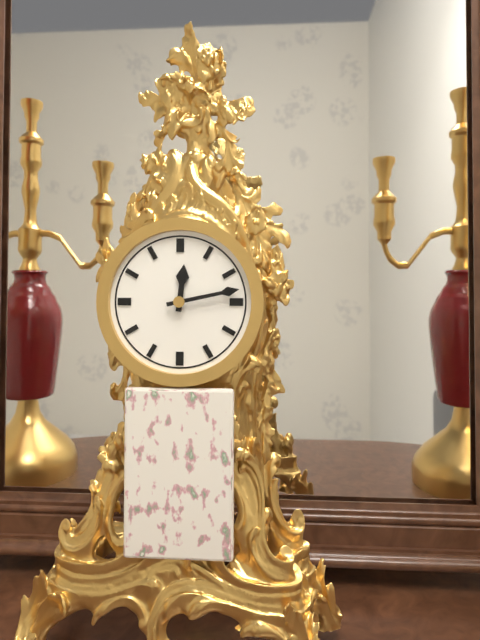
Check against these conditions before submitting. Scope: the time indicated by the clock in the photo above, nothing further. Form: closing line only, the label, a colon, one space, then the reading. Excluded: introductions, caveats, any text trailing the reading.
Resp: 12:13
